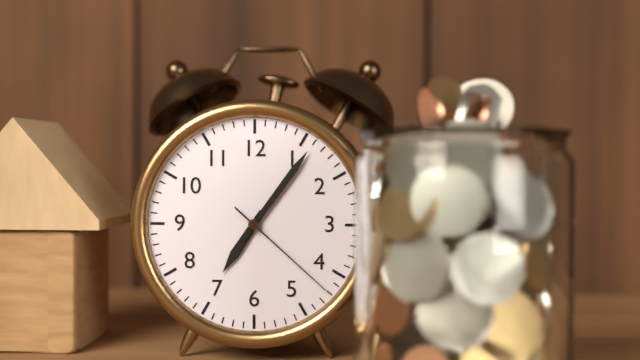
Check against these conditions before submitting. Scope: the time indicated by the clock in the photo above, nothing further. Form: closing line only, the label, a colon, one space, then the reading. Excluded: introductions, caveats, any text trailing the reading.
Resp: 7:06:22
